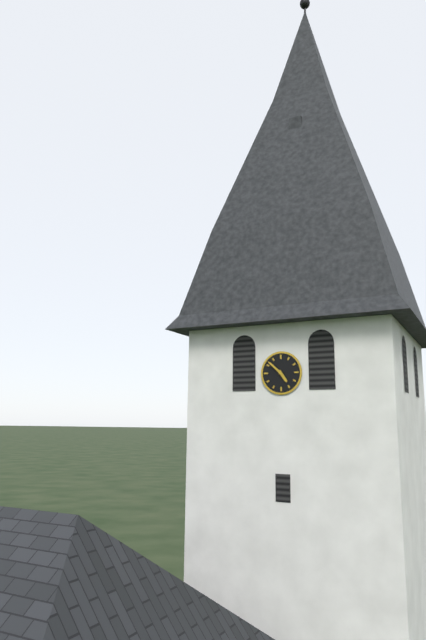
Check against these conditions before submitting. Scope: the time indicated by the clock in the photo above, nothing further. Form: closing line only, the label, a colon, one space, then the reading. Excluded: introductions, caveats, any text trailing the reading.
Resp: 4:52
